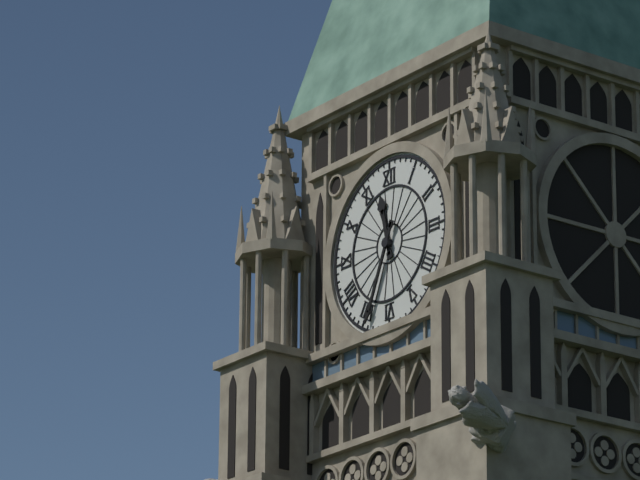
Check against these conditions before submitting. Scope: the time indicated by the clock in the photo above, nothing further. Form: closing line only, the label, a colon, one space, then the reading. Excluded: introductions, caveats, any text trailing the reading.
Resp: 11:34
